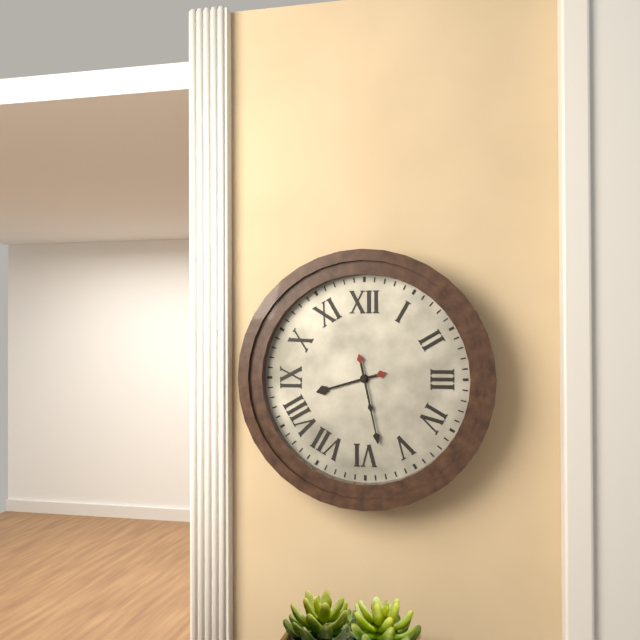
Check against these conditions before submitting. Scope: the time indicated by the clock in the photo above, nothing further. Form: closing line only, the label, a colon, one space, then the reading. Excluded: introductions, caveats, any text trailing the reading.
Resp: 8:28
